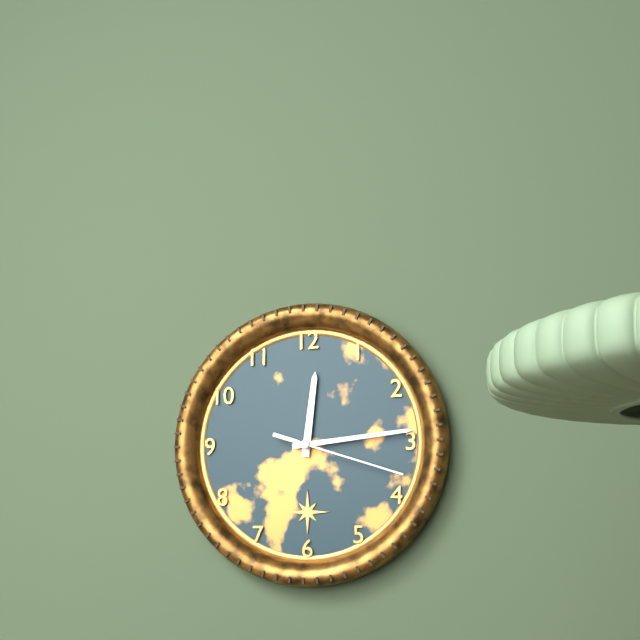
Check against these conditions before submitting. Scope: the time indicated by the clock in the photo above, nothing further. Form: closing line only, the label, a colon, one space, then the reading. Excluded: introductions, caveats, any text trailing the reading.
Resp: 12:14:18
